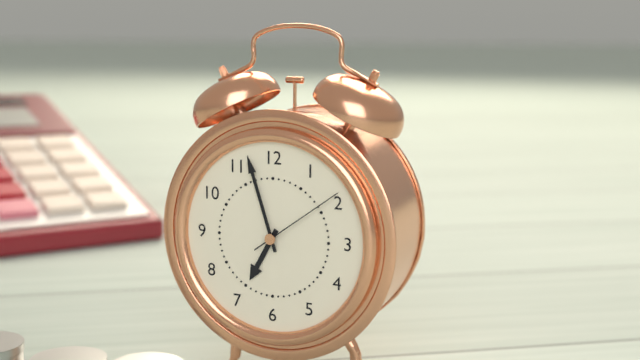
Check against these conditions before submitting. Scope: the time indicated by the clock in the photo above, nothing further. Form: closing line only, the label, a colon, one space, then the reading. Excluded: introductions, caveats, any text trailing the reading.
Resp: 6:57:09
